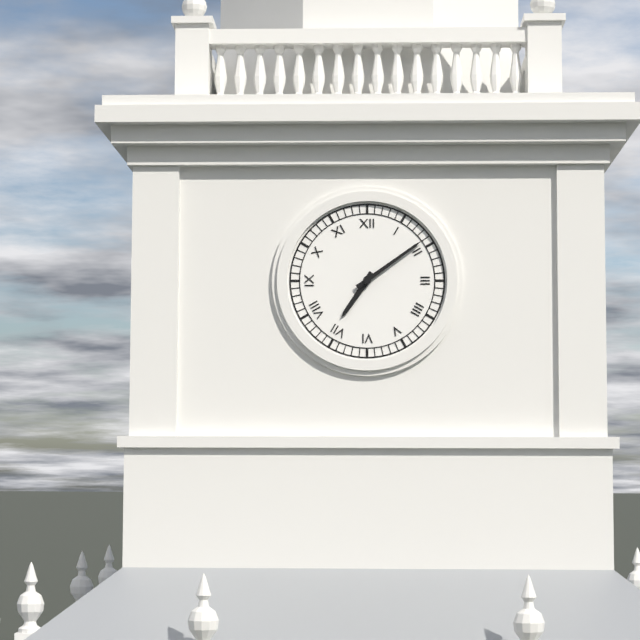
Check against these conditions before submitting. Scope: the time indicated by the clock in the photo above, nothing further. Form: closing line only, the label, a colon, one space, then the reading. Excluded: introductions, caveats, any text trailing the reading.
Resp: 7:09
